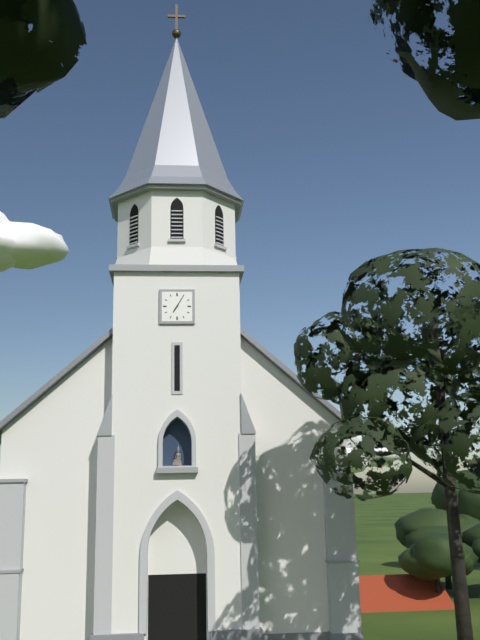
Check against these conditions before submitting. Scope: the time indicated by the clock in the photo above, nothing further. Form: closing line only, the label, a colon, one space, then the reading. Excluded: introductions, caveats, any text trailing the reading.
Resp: 7:05
